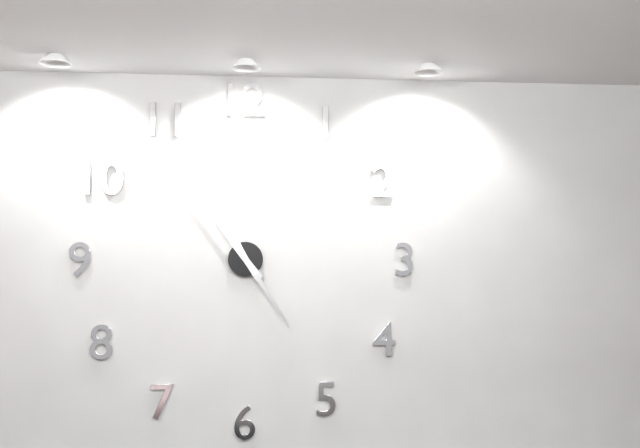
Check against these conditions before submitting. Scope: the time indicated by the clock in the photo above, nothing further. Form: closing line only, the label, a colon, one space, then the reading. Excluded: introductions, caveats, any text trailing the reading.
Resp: 4:54
